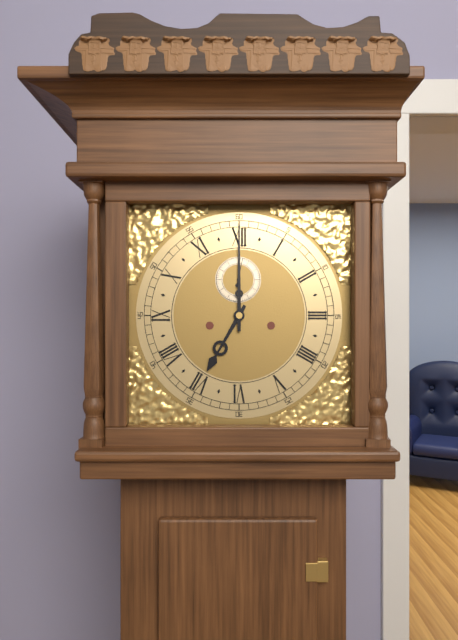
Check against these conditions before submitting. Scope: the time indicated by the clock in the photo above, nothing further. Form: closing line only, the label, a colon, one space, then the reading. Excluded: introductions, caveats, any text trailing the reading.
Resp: 7:00
